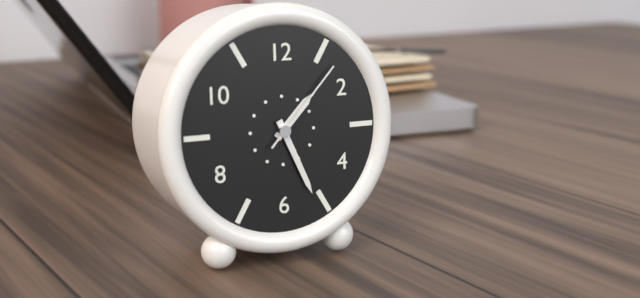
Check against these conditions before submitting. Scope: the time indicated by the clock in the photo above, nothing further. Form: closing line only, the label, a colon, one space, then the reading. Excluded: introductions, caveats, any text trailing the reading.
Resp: 1:26:07
